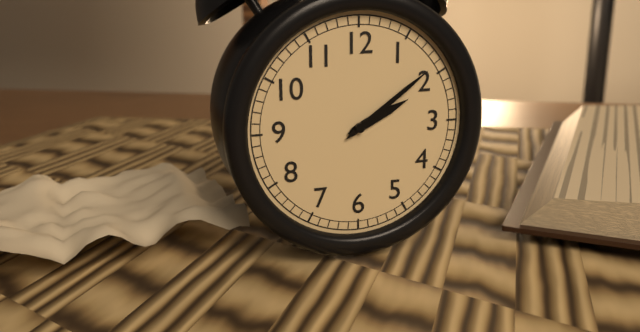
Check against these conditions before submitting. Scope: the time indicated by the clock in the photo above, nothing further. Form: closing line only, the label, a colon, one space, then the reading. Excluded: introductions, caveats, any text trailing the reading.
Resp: 2:09
